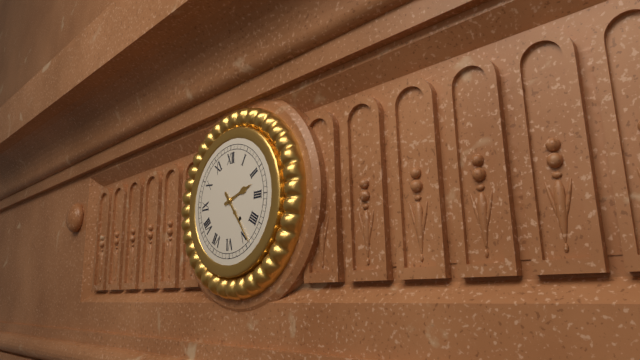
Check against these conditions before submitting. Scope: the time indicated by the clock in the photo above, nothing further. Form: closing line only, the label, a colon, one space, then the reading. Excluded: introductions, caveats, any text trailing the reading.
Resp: 2:24
